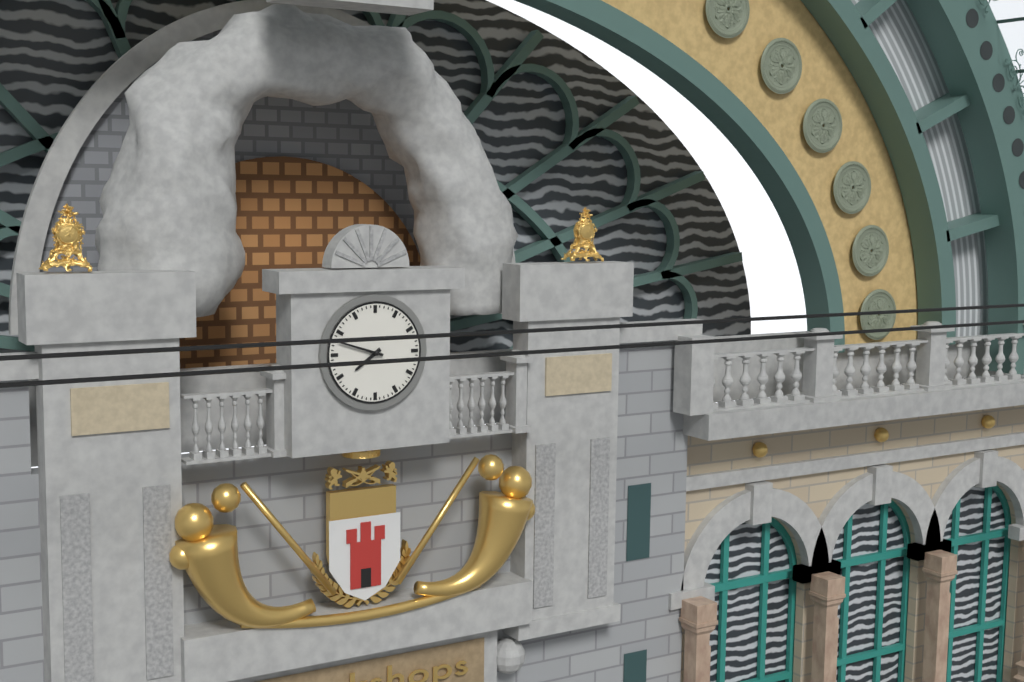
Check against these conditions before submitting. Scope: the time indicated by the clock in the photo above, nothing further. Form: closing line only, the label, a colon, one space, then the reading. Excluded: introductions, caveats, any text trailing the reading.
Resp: 7:48
